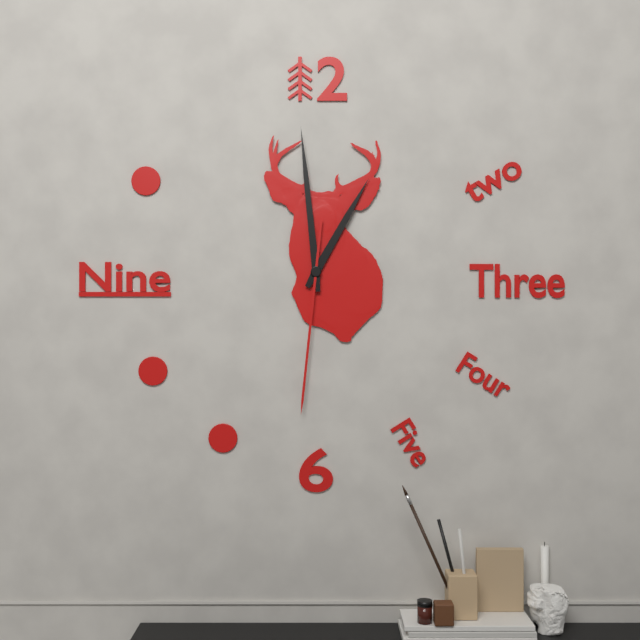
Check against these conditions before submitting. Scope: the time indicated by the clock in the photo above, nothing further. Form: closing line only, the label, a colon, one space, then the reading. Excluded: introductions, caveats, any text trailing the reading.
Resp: 12:59:31
